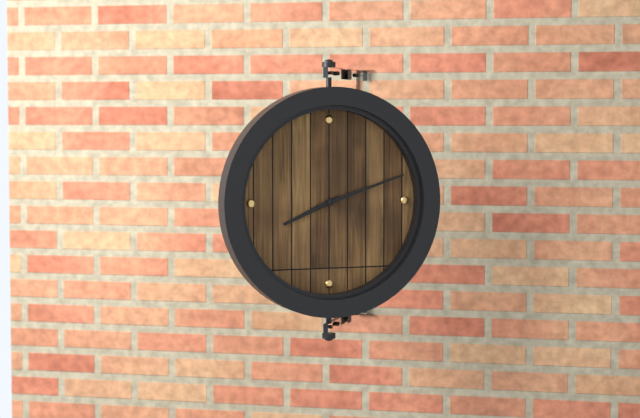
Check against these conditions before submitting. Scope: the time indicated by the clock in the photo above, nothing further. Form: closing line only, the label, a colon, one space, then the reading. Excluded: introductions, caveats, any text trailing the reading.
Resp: 8:12
